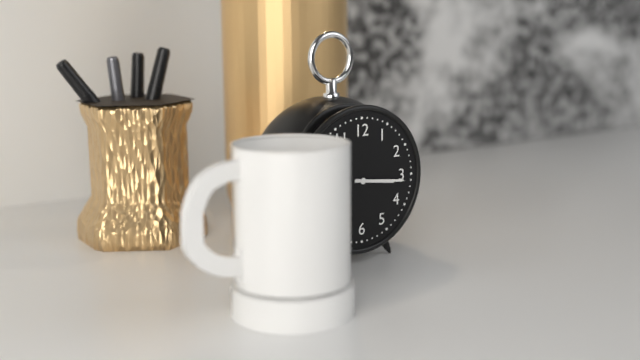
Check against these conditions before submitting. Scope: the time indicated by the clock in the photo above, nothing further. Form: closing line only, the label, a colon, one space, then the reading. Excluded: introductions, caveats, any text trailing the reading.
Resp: 3:16
